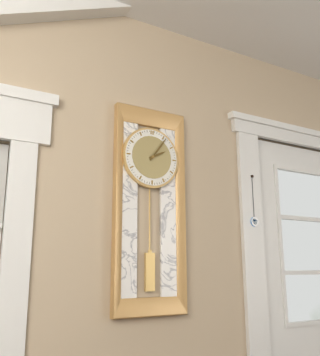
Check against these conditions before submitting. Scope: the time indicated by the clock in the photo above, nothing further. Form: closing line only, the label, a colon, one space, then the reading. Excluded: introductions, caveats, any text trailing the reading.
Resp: 2:06
